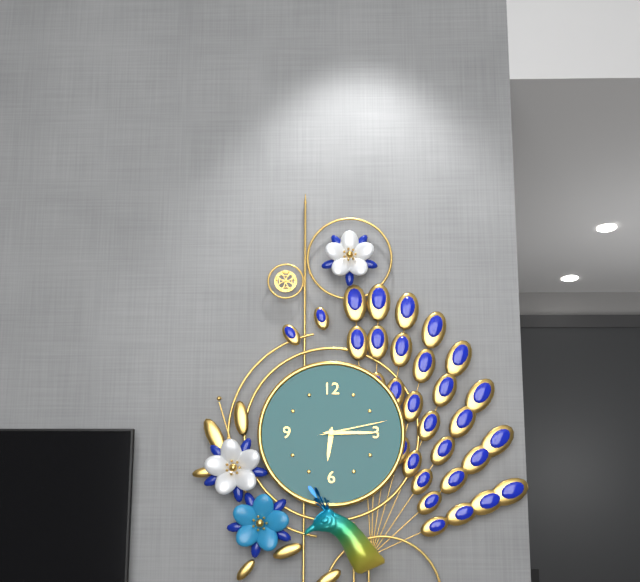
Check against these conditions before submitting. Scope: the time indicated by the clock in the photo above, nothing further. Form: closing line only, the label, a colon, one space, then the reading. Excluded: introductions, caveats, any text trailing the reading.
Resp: 6:15:13
